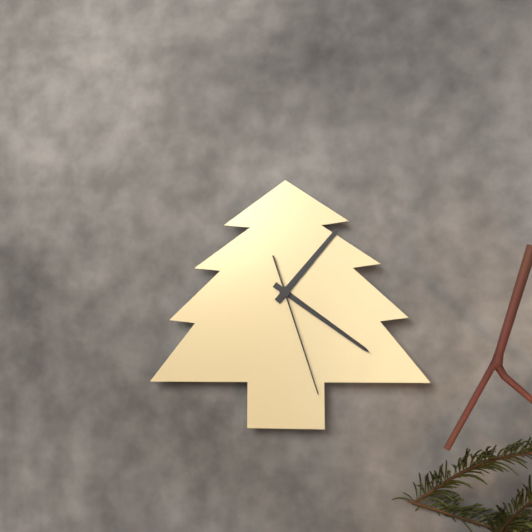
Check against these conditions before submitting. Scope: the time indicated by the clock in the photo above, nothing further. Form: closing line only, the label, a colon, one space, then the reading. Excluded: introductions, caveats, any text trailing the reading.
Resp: 1:21:27
